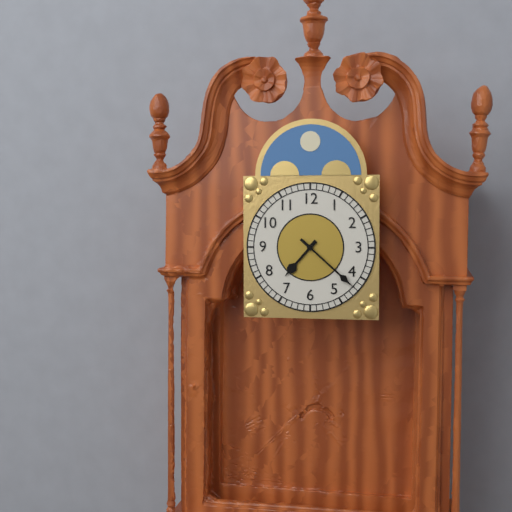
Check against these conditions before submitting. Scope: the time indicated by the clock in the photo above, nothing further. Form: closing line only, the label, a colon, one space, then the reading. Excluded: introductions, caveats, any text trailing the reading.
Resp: 7:22
